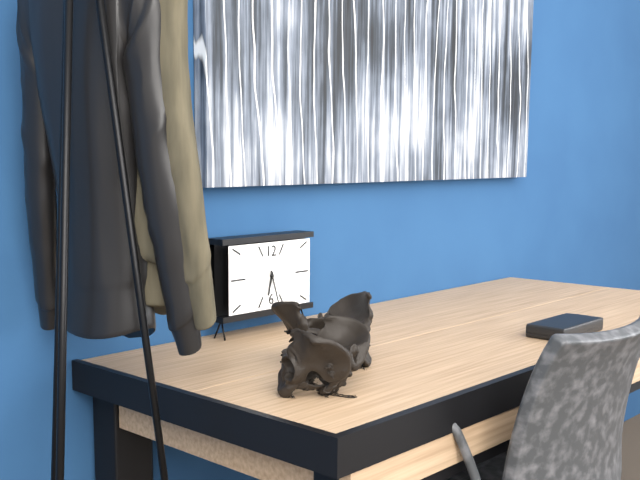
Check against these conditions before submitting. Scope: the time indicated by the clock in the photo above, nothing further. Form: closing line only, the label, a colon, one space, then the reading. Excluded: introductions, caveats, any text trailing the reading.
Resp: 6:27
